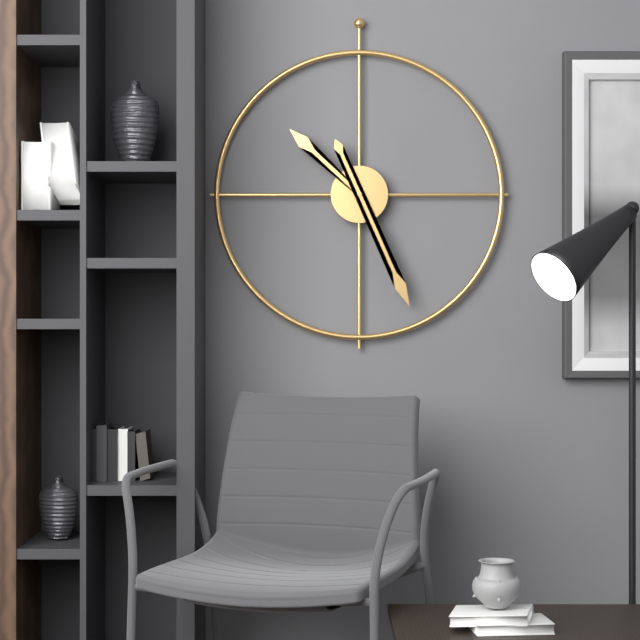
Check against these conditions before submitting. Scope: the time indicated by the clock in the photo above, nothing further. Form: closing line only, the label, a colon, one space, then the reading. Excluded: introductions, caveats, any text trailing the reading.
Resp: 10:26
